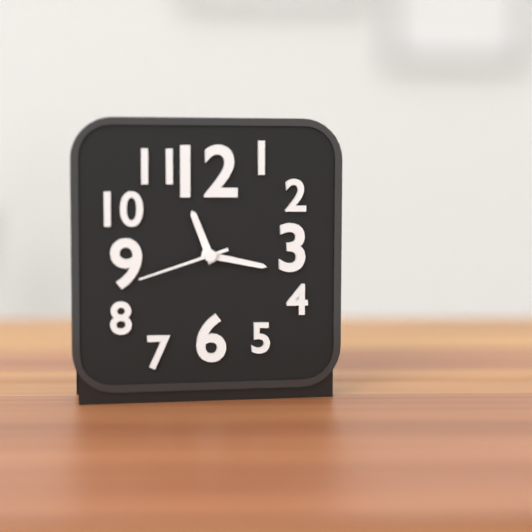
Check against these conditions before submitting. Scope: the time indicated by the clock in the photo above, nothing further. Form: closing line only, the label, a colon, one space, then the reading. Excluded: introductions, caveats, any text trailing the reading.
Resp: 11:17:42
